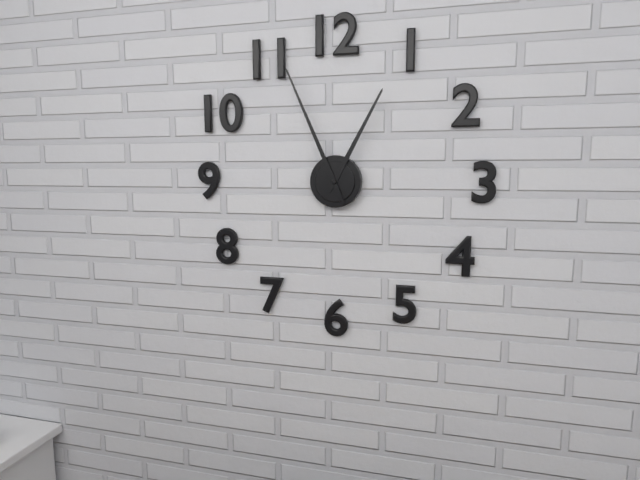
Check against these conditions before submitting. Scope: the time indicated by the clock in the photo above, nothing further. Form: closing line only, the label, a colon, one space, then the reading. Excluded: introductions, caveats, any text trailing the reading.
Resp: 12:56
